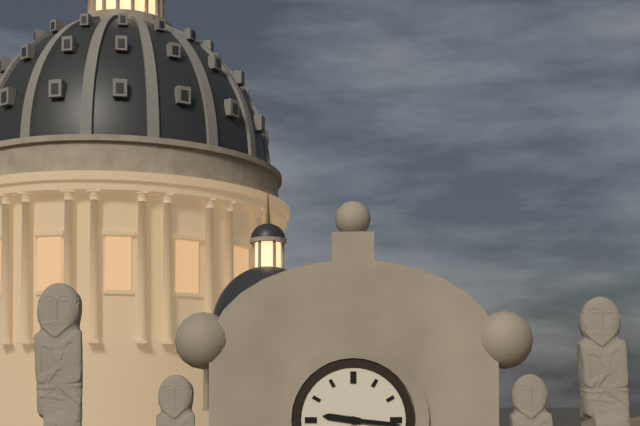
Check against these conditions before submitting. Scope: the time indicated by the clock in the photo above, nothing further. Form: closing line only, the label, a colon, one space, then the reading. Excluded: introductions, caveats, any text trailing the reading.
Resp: 9:16
